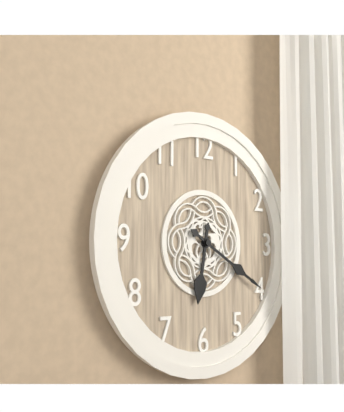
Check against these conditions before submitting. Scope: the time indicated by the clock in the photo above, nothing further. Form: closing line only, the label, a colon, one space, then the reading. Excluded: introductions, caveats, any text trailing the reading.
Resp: 6:20
